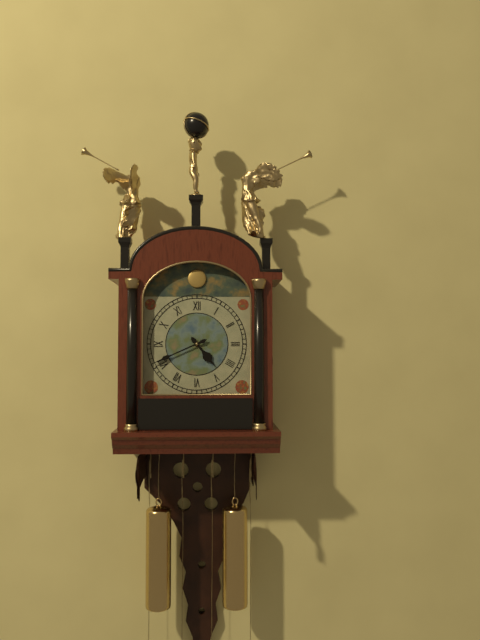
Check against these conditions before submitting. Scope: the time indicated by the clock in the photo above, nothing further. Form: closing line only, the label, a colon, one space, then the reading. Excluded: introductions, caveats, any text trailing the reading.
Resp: 4:41
